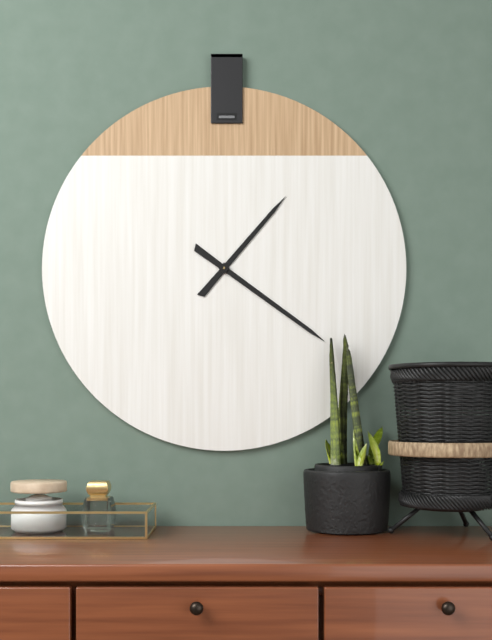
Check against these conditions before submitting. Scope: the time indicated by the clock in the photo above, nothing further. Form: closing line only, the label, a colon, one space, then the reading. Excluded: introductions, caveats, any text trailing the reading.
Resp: 1:21
